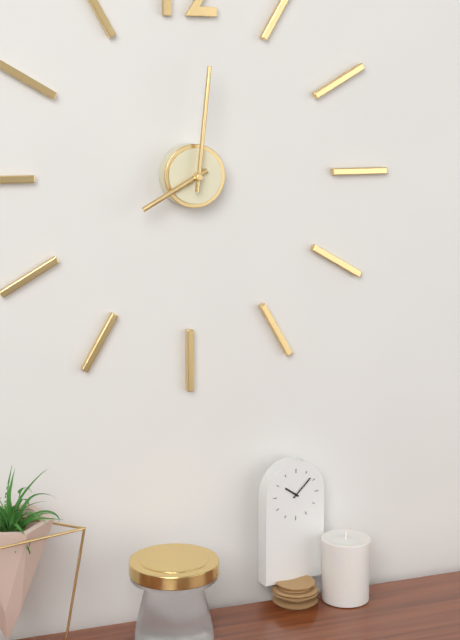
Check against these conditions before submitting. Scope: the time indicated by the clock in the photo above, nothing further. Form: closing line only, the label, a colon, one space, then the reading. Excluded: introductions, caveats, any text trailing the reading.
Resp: 8:01
